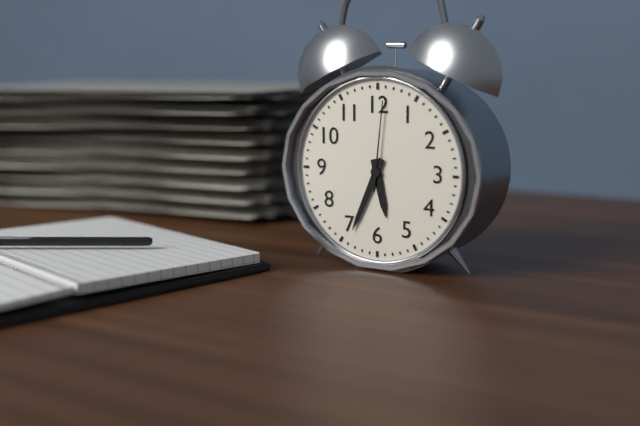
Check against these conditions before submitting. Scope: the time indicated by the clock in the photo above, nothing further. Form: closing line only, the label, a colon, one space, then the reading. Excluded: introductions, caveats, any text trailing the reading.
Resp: 5:34:01
